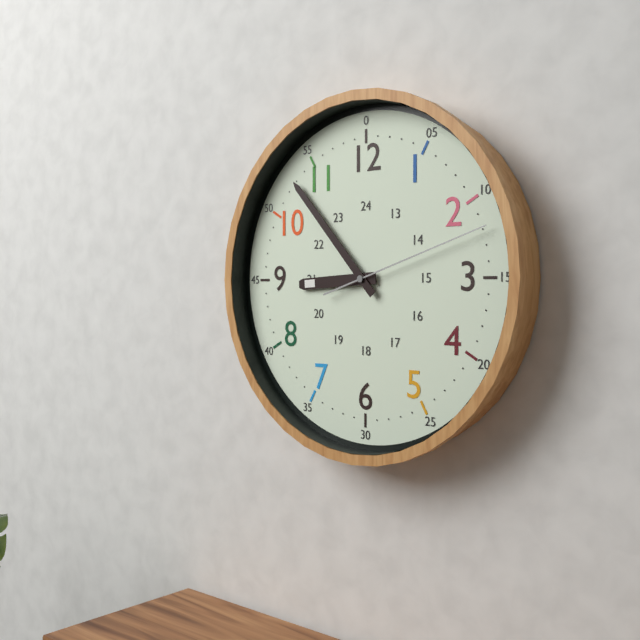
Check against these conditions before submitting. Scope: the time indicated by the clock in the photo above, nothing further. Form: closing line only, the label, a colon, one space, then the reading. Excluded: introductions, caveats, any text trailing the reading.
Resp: 8:53:12
